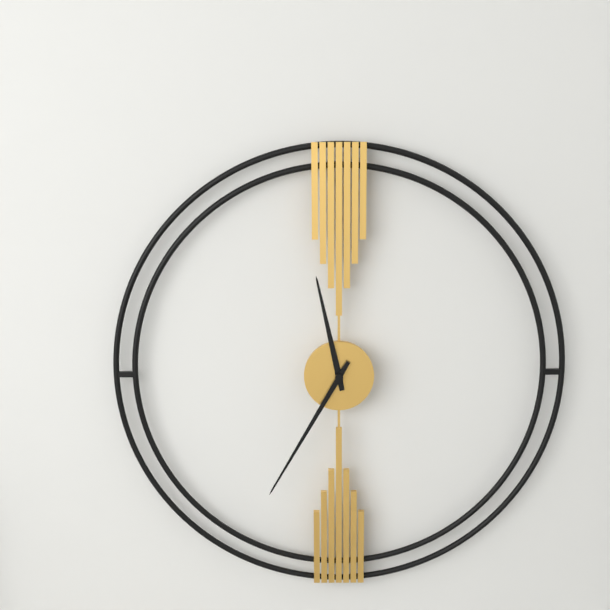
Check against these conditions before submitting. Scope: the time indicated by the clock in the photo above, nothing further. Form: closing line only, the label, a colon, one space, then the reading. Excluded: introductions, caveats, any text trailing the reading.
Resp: 11:35
